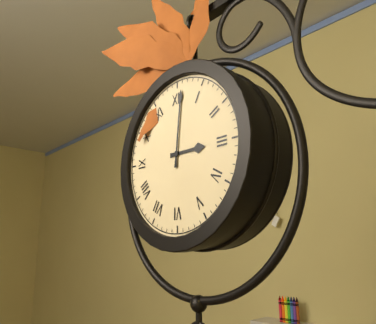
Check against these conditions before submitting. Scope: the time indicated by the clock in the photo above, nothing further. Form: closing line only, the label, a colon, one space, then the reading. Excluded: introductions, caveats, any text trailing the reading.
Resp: 3:01
